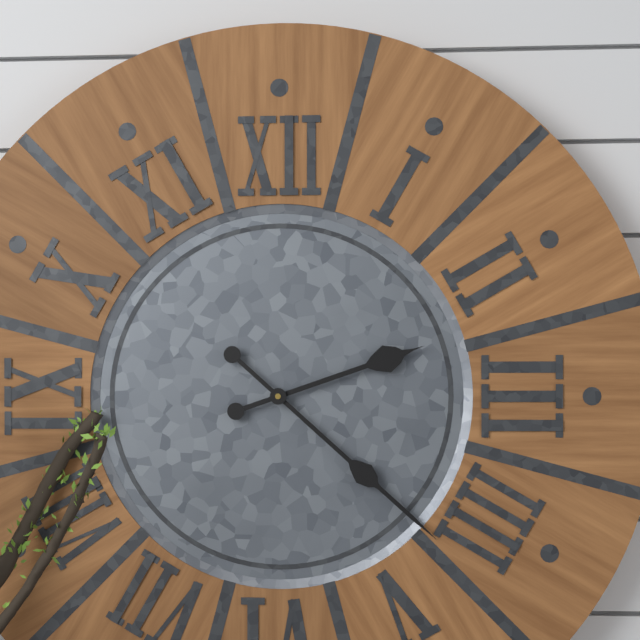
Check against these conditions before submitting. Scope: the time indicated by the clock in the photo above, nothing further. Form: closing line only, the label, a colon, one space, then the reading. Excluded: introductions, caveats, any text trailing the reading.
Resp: 2:22
